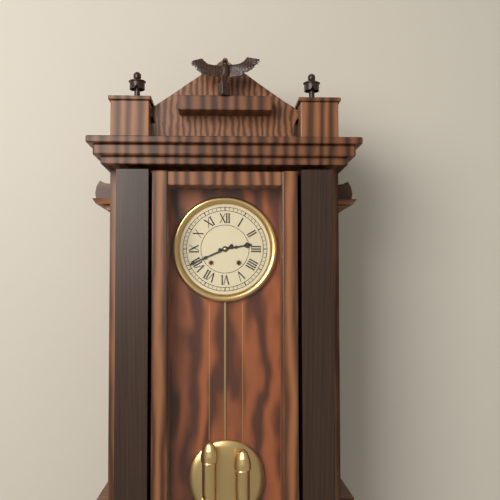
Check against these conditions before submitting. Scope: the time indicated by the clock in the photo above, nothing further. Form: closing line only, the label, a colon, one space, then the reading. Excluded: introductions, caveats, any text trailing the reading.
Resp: 2:41
